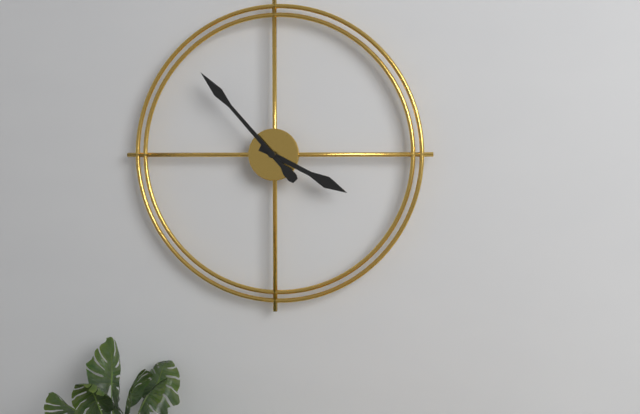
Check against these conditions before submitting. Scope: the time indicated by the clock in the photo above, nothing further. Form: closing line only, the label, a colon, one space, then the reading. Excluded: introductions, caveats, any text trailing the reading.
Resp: 3:53
